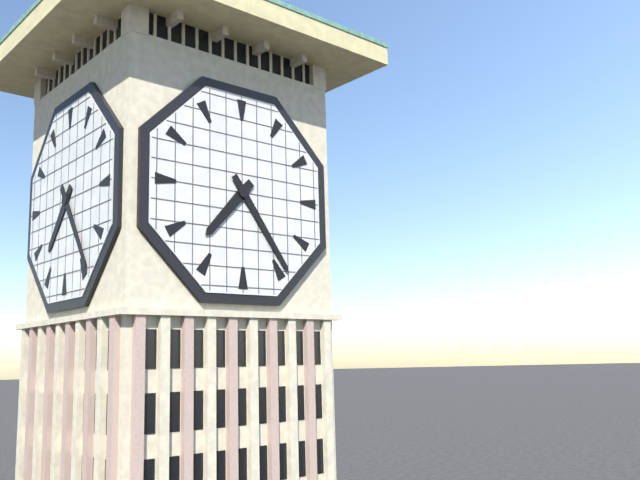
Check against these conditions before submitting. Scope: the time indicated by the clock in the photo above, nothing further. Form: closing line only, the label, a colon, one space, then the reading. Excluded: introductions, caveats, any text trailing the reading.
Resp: 7:24
